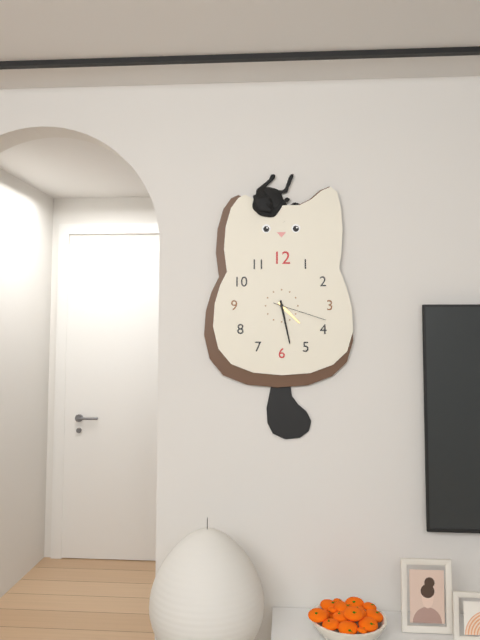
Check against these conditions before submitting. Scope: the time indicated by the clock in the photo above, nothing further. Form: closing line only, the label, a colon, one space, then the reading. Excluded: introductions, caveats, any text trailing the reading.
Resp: 4:28:18
